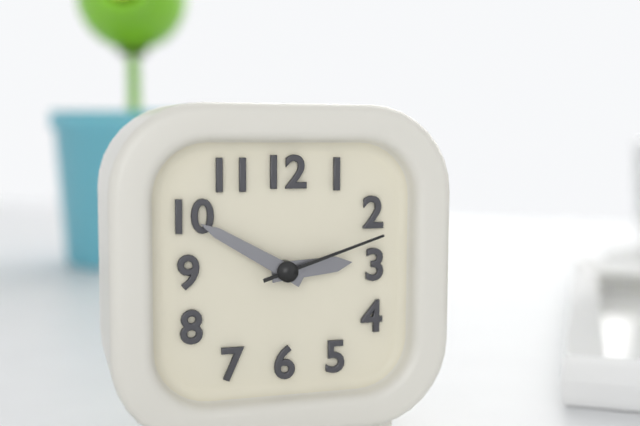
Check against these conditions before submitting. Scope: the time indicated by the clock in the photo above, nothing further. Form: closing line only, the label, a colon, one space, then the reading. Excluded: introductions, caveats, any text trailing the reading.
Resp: 2:50:12
